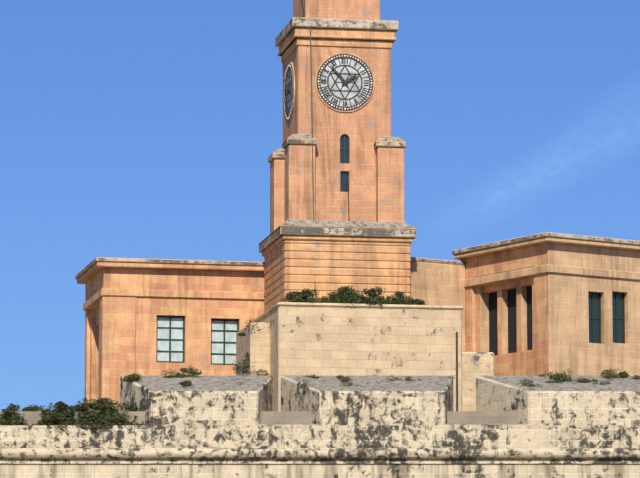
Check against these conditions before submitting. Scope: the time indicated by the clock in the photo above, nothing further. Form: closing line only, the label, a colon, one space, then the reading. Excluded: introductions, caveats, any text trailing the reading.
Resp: 1:53
